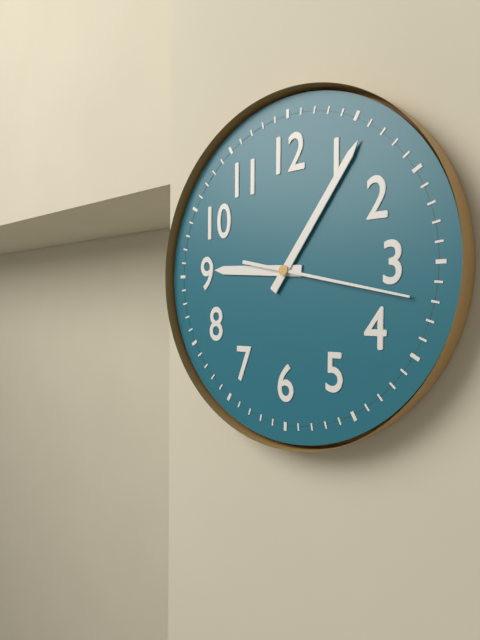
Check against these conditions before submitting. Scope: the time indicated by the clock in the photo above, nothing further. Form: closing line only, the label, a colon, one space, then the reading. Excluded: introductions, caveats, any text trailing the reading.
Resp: 9:06:17
